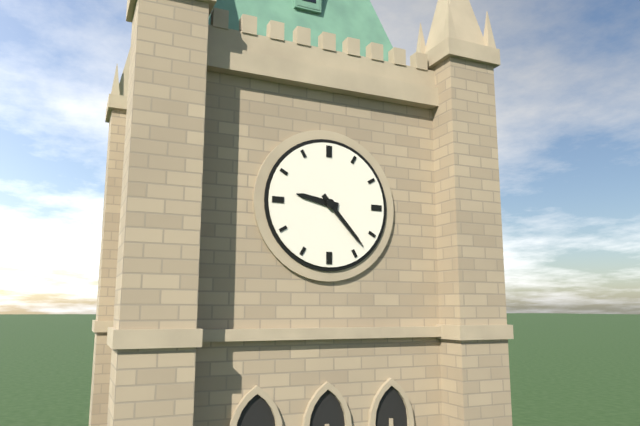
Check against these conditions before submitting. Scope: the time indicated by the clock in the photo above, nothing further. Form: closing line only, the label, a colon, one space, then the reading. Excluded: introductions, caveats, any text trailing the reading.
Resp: 9:23
